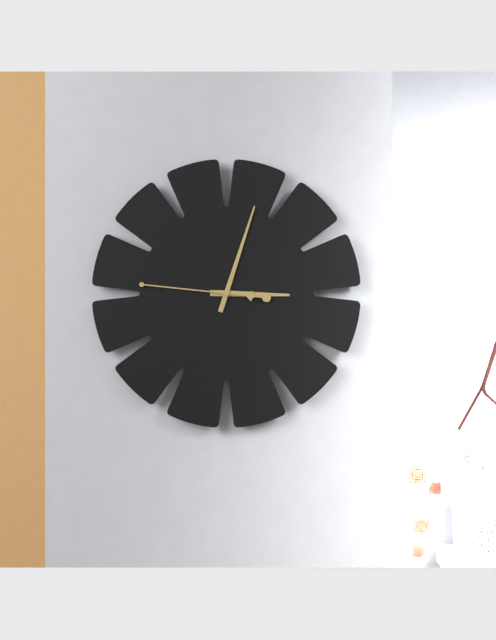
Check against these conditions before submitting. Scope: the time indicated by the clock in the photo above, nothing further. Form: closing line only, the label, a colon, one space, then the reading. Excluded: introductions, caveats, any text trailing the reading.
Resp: 3:03:46
